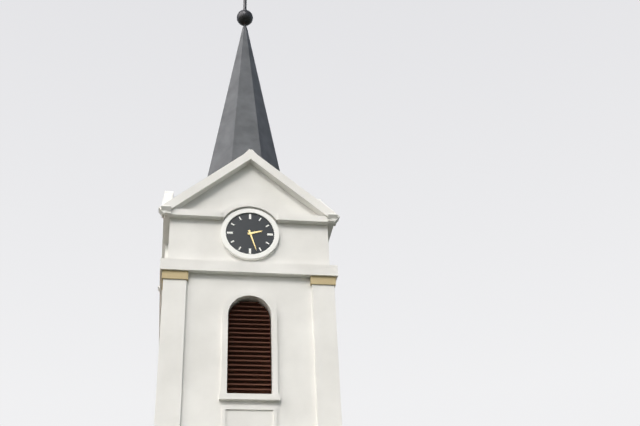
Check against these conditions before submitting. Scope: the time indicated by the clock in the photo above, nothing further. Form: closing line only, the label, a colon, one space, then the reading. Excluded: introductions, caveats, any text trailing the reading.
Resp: 2:27
